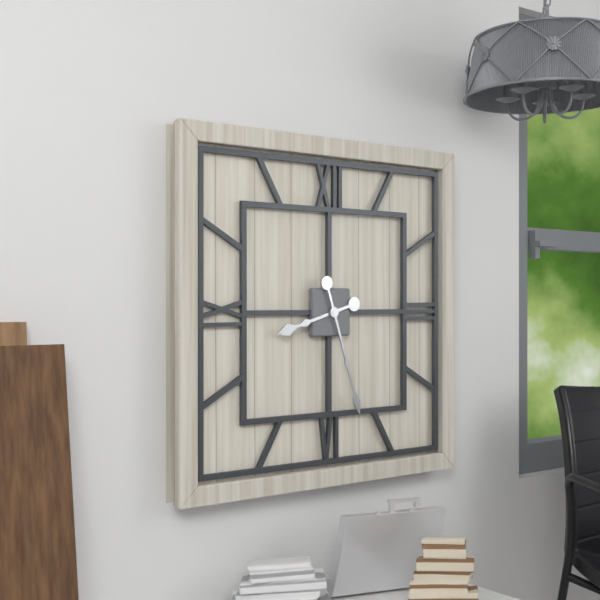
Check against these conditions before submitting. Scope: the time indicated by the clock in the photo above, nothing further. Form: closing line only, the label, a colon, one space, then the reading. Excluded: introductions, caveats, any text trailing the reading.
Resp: 8:27
